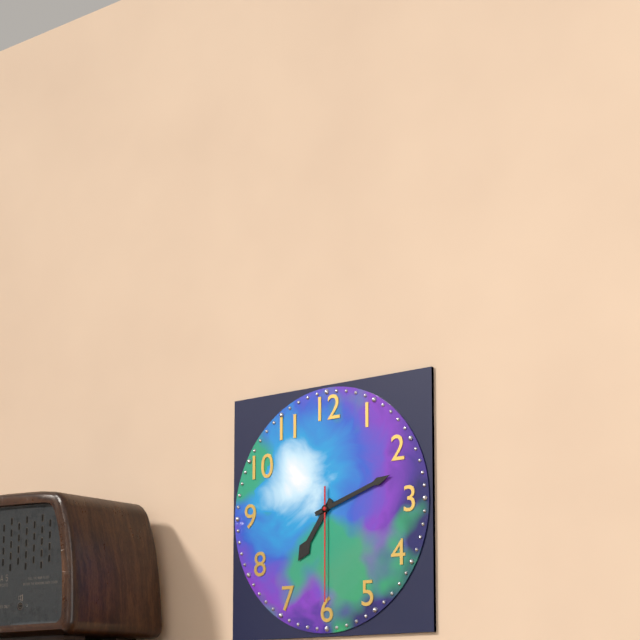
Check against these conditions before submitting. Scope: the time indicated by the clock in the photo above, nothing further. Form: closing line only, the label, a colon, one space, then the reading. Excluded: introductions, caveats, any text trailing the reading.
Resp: 7:12:30
